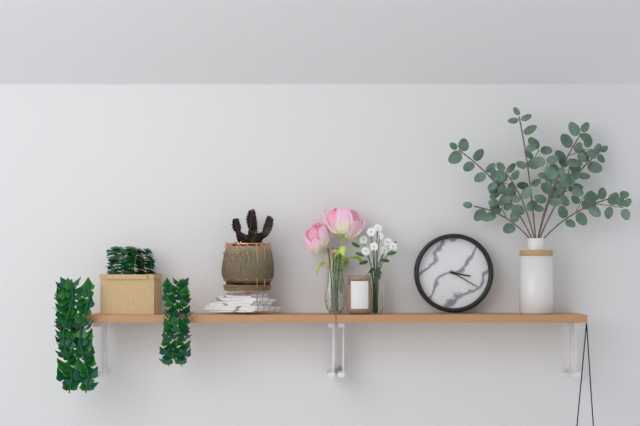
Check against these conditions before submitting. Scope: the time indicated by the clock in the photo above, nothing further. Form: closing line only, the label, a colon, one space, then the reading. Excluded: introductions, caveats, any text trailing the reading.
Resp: 3:20
